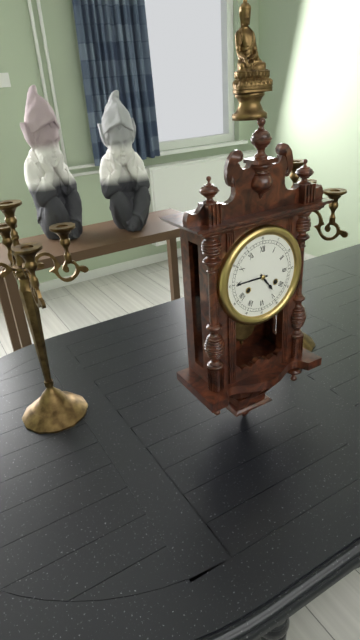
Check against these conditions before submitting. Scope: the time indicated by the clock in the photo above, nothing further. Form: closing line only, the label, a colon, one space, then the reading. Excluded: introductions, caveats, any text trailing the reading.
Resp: 4:45
